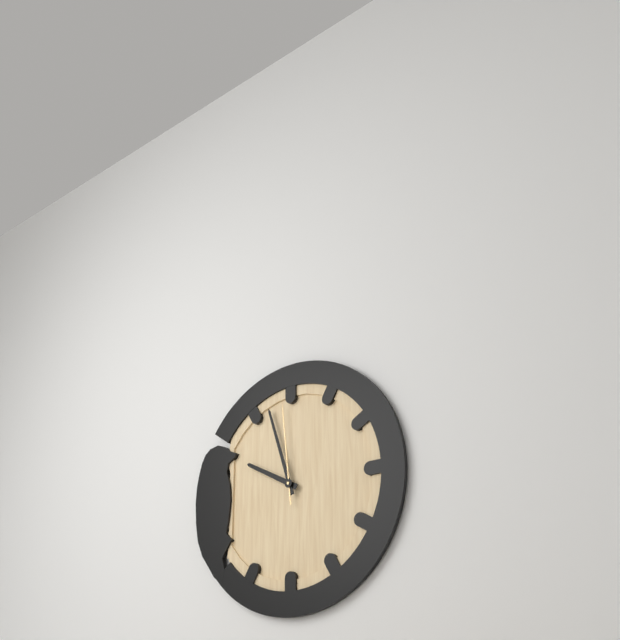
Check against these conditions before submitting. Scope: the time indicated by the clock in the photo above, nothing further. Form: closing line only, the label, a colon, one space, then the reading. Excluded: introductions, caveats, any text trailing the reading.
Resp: 9:57:59
